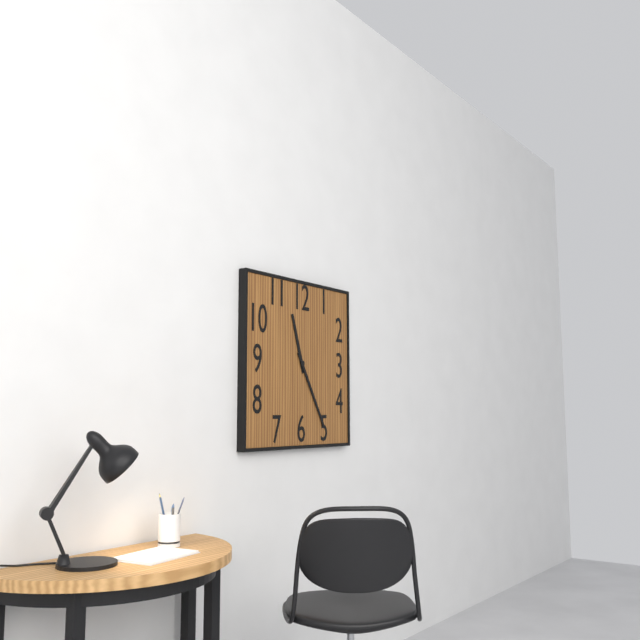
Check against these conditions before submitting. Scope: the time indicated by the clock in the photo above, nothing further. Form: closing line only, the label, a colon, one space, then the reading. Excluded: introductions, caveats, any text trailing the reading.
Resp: 11:25
